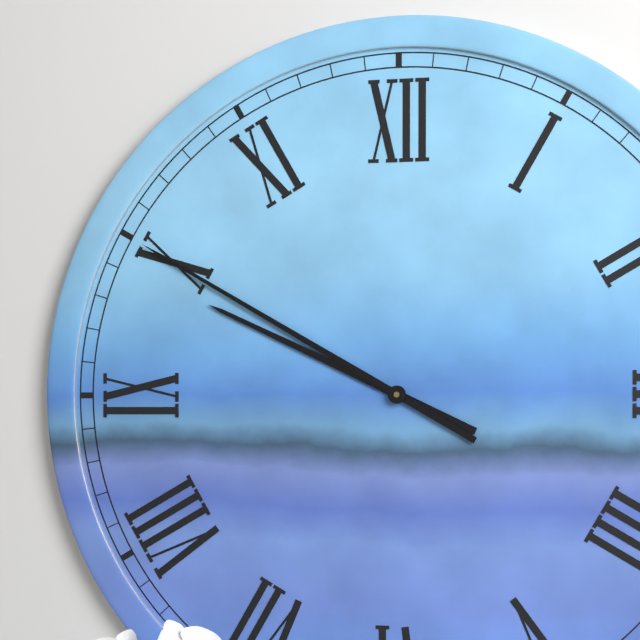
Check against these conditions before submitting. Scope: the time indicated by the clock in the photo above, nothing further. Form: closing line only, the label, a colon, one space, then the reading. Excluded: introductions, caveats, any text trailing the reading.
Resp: 9:50
